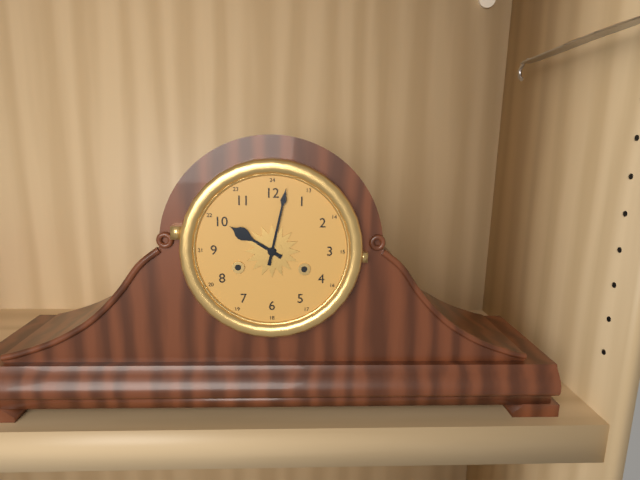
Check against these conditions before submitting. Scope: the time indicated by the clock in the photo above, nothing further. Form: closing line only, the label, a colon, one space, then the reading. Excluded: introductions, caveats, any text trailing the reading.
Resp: 10:02
